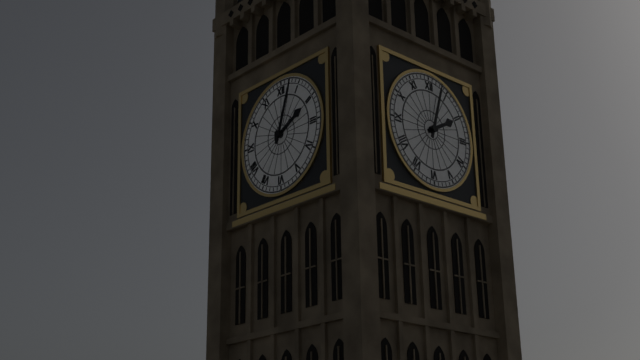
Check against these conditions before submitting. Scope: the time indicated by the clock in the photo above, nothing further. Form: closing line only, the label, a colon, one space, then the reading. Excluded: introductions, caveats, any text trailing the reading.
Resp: 2:03
